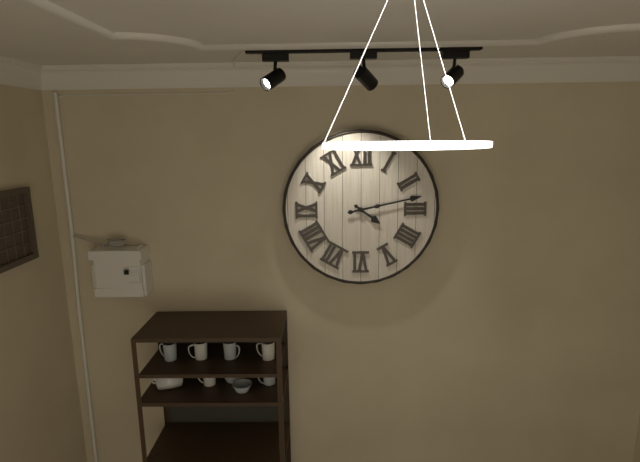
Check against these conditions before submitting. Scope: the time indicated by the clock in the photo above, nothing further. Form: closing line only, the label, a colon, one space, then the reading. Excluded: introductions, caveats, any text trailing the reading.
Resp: 4:13
